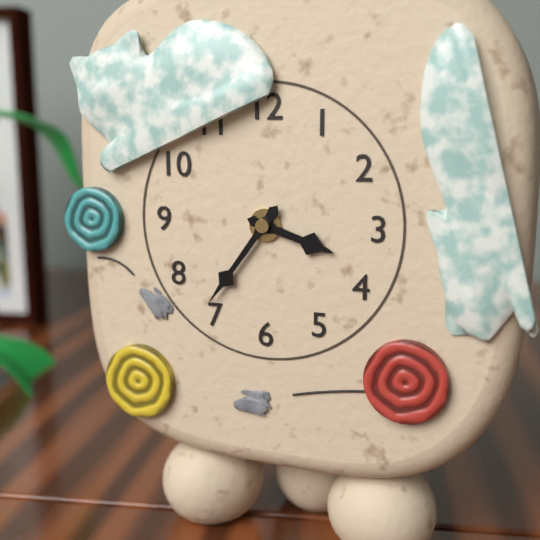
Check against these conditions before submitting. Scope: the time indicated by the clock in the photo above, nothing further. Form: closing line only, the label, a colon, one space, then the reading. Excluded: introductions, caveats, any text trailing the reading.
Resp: 3:36
